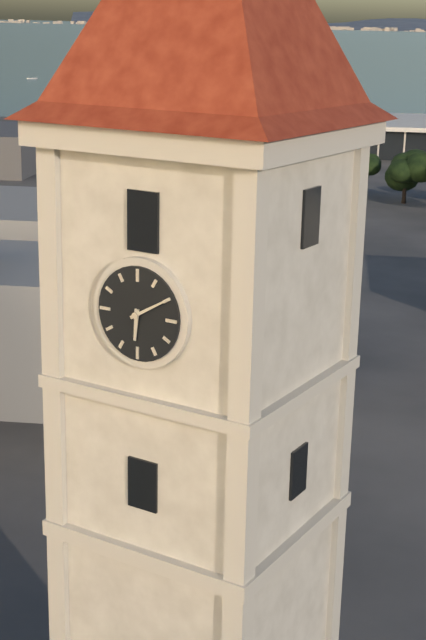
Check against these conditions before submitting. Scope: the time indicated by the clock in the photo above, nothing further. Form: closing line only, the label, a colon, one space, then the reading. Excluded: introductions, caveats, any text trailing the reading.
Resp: 6:10
